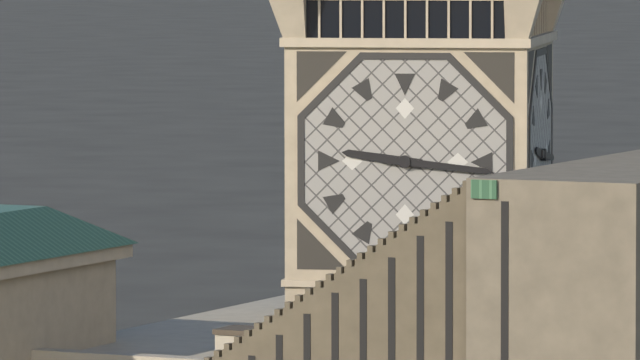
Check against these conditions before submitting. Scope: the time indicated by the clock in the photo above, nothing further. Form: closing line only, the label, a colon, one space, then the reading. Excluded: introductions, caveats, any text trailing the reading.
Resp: 9:16
